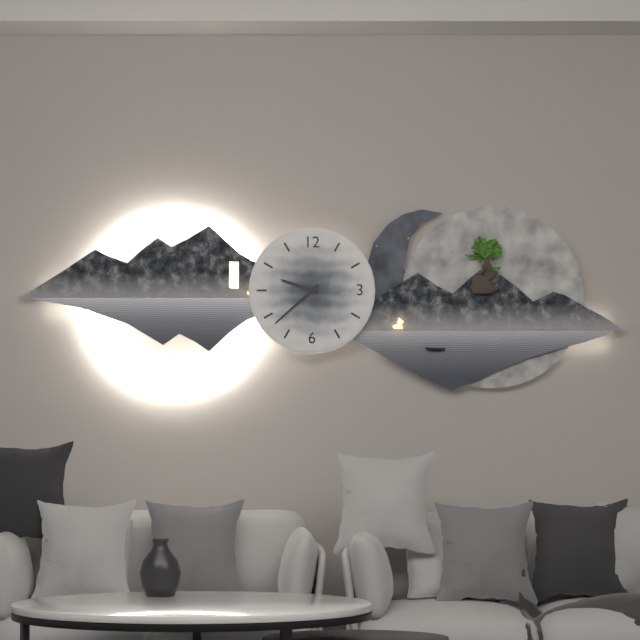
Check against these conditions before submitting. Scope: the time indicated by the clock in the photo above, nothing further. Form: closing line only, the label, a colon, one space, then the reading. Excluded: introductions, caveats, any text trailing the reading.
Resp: 9:38
